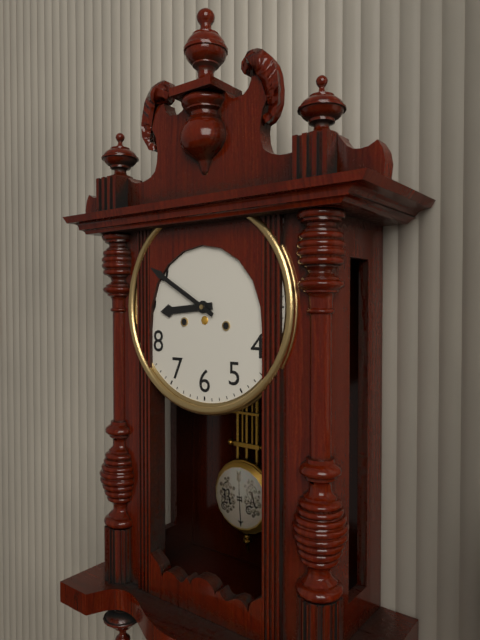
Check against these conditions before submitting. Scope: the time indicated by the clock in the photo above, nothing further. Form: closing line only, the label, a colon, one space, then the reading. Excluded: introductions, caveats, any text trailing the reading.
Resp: 8:50
